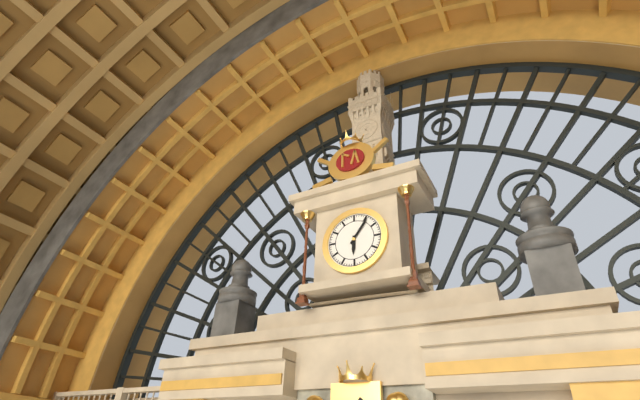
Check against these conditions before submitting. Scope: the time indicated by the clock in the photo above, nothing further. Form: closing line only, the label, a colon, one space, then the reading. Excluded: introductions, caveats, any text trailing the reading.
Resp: 6:06
